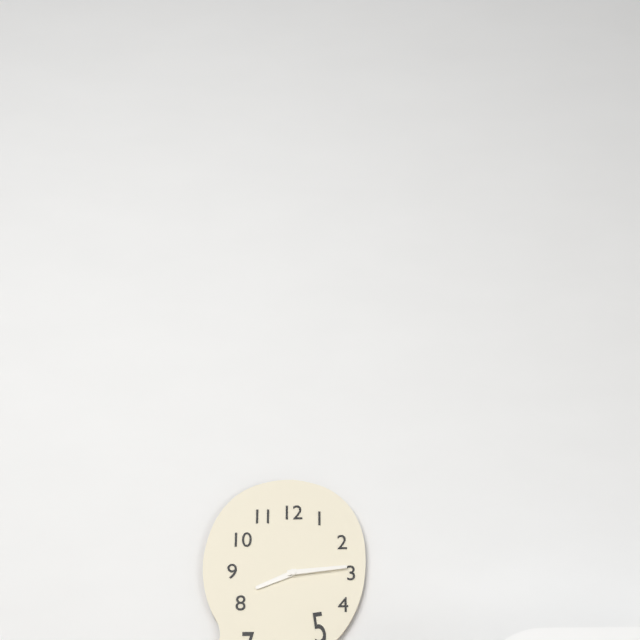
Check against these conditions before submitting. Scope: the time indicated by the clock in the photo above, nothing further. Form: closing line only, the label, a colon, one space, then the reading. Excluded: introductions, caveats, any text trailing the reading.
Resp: 8:14
